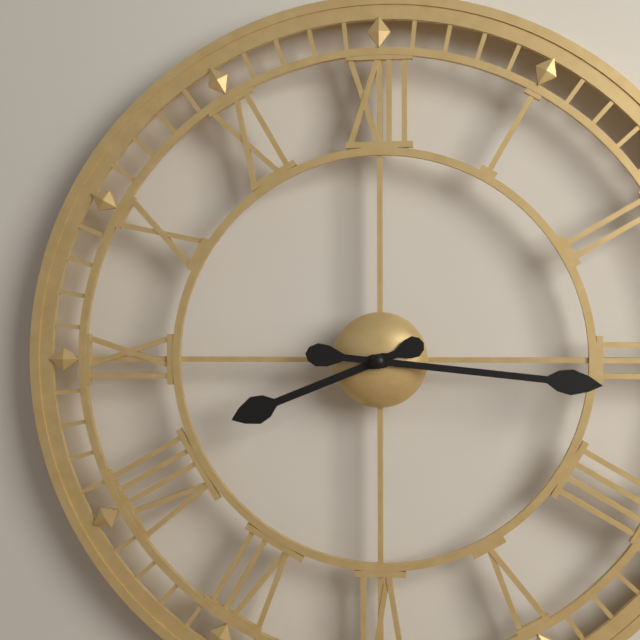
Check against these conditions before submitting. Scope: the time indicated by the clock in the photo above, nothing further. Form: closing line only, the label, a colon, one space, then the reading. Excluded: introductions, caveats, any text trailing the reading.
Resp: 8:16
